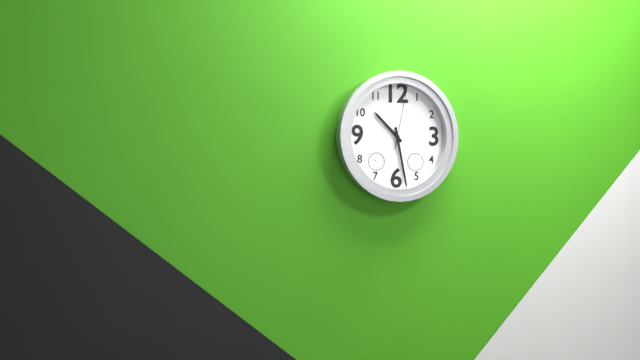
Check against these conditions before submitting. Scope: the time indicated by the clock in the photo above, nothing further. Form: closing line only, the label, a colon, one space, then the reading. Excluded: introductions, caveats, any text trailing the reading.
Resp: 10:28:02
